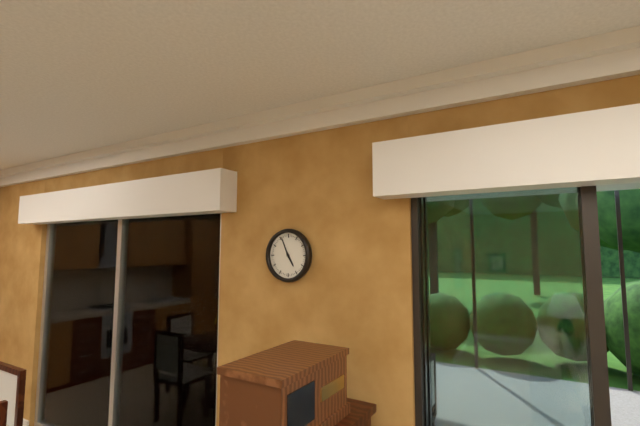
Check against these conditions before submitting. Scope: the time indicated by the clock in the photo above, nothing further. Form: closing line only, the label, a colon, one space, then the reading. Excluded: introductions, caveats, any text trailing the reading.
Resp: 4:56
